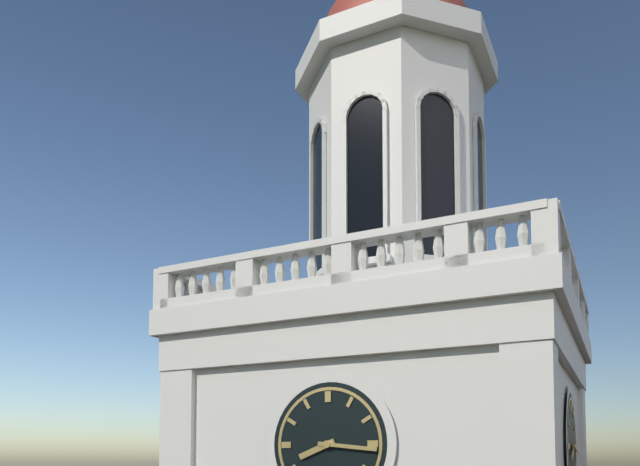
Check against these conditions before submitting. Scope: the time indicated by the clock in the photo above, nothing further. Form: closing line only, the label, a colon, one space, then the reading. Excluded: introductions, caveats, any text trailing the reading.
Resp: 8:16
